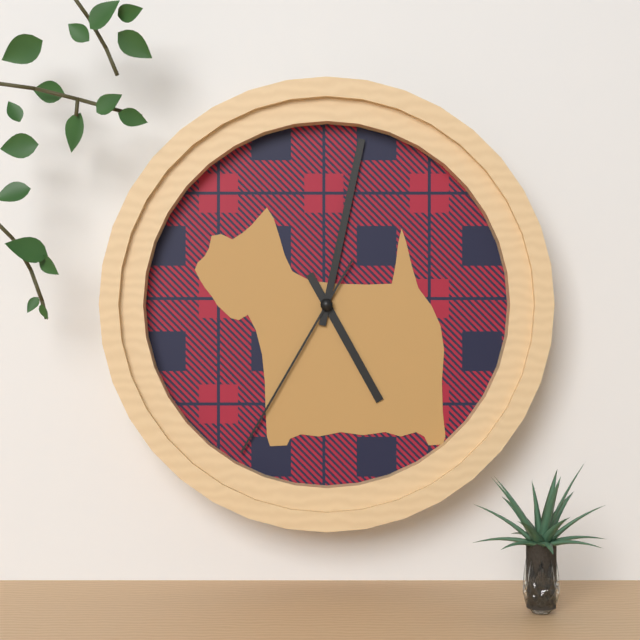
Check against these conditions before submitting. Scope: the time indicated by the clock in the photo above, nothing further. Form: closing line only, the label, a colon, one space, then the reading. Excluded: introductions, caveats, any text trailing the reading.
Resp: 5:02:35
